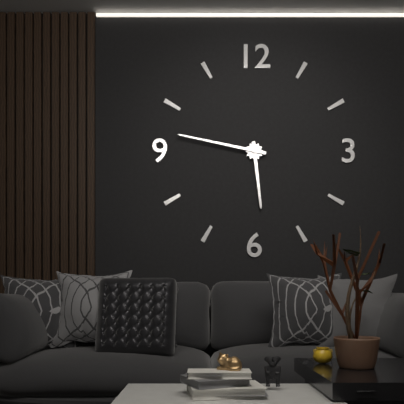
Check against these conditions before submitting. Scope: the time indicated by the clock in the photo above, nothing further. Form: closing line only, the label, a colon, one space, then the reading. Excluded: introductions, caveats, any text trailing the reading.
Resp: 5:47
